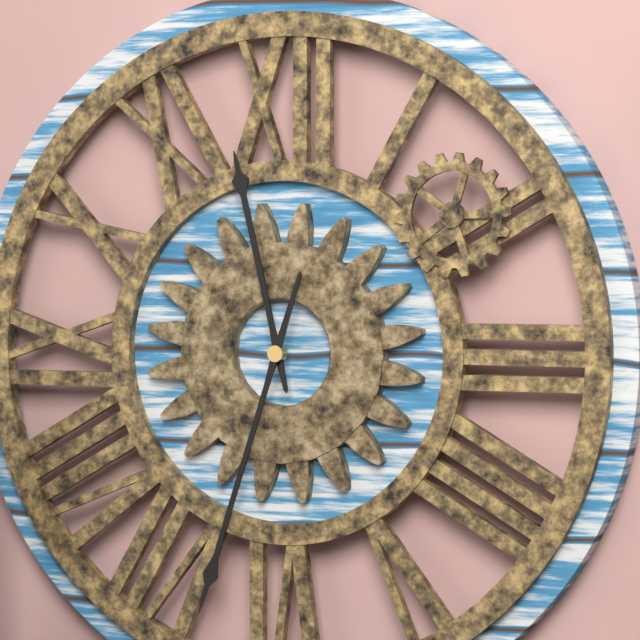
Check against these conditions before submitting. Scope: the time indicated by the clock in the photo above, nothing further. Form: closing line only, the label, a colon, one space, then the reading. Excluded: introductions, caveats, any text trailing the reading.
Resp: 11:33
